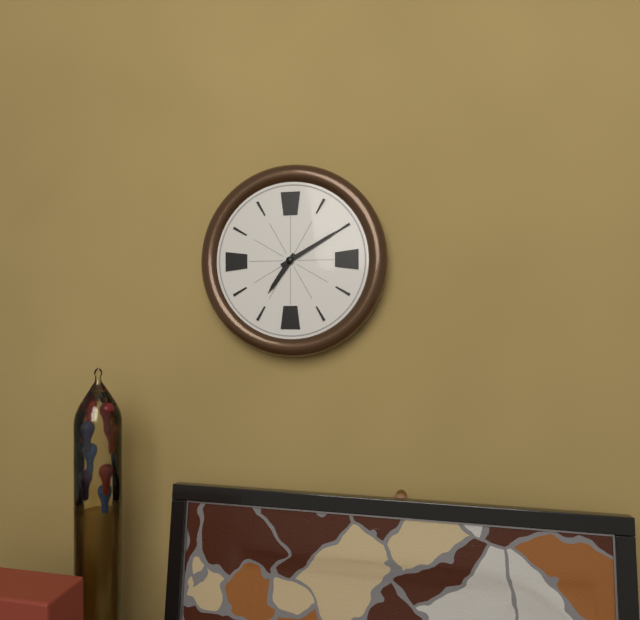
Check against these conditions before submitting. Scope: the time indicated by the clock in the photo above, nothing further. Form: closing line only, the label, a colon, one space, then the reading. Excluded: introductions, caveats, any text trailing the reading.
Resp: 7:10
